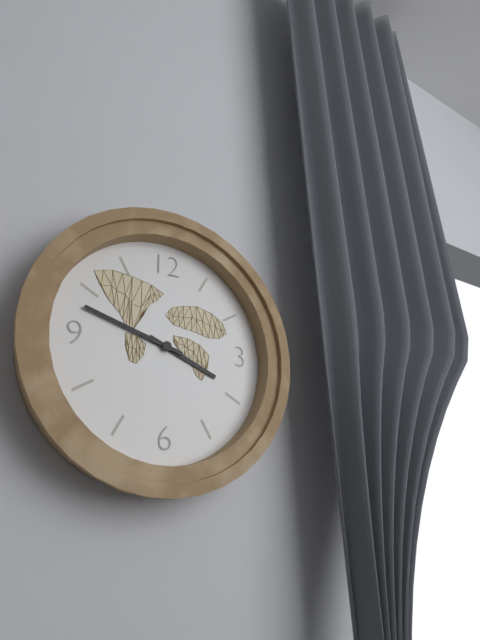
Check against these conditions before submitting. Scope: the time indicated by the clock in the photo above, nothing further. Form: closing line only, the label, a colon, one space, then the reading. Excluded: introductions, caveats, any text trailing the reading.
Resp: 3:48
